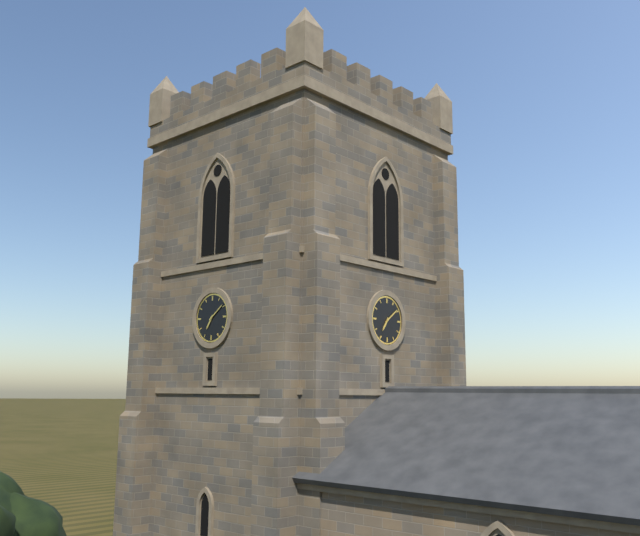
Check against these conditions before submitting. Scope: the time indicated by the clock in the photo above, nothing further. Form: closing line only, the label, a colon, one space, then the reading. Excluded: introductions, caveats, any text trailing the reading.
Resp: 7:09
